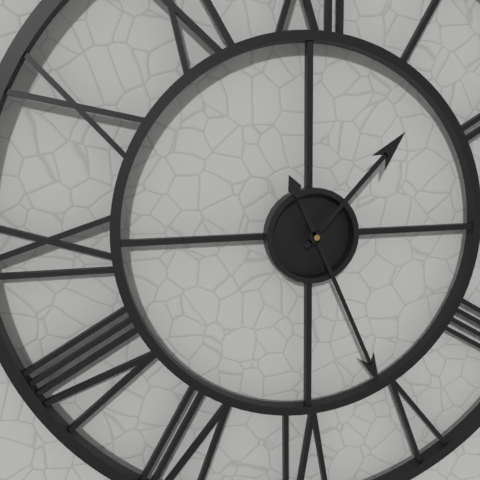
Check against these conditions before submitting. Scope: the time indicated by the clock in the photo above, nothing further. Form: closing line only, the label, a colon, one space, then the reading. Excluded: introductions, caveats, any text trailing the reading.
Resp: 1:26
